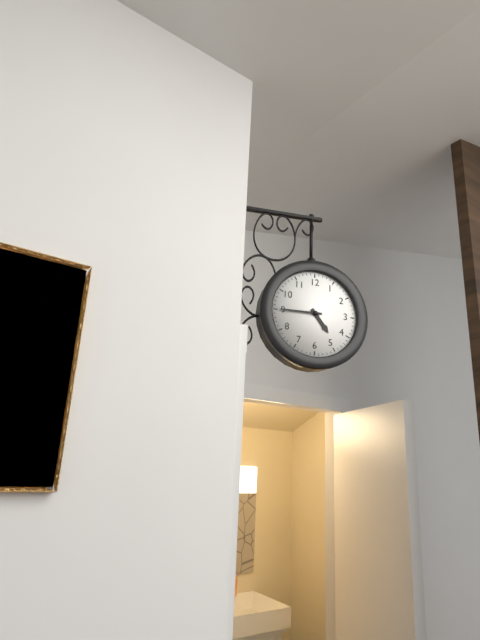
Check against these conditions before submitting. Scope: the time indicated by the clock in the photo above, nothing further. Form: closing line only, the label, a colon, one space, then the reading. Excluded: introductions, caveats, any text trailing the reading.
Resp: 4:45
